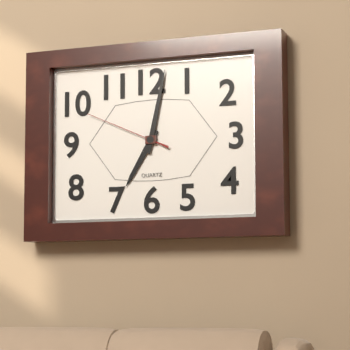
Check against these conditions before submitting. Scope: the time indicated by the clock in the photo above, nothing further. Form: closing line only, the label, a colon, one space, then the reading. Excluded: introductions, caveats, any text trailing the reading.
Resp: 7:02:49
